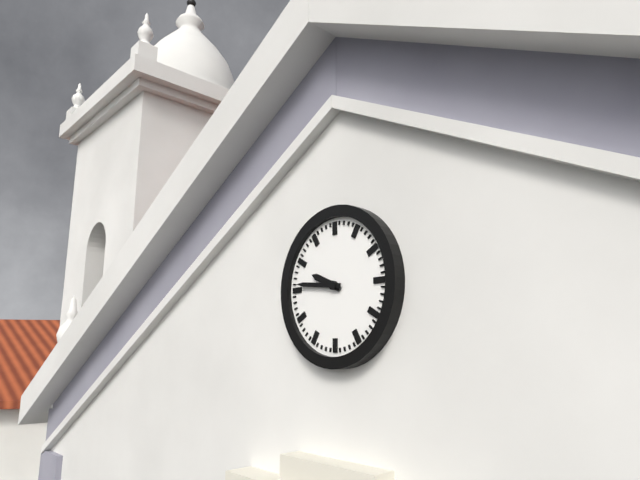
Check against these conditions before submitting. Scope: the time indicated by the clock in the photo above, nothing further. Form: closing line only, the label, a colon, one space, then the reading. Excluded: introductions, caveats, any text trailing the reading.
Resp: 9:46
